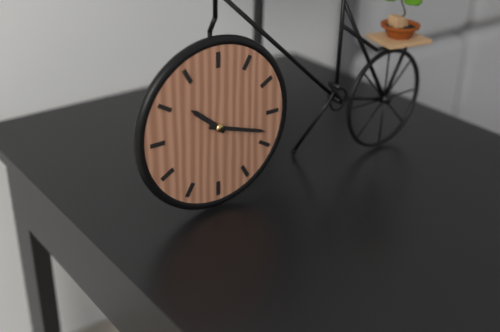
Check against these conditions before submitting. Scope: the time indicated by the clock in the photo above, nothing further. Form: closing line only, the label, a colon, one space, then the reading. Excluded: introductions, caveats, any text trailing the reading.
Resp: 10:18
